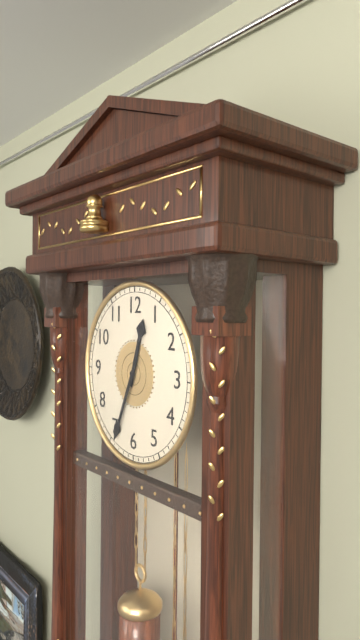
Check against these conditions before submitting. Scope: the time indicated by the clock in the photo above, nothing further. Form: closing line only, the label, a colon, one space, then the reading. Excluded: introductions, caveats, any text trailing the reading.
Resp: 12:34
